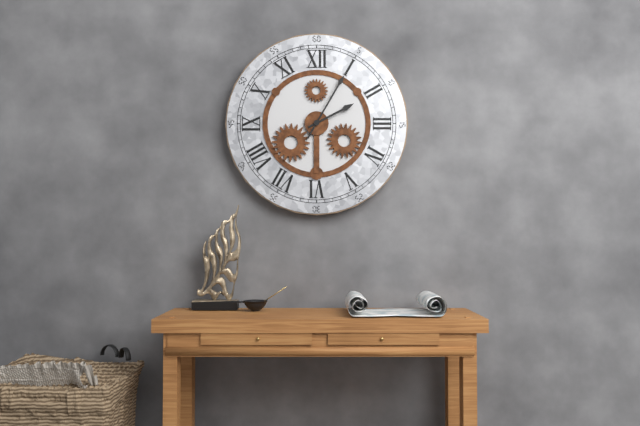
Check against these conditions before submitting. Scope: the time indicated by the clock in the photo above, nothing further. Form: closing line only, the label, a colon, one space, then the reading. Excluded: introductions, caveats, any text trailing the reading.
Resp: 2:05
